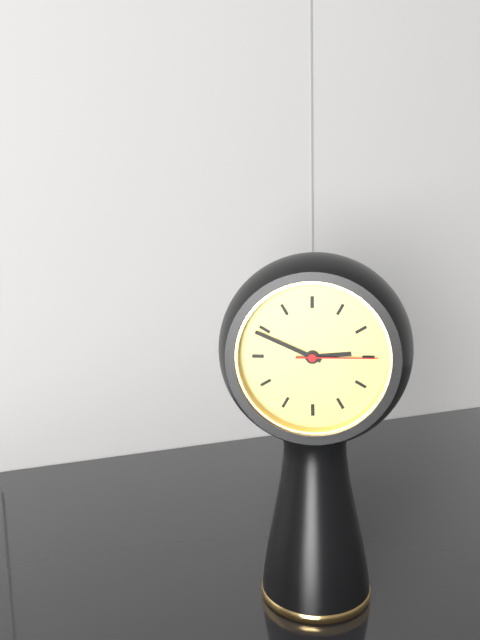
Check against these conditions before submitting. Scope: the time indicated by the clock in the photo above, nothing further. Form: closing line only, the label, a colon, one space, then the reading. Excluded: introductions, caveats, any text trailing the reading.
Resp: 2:49:15
